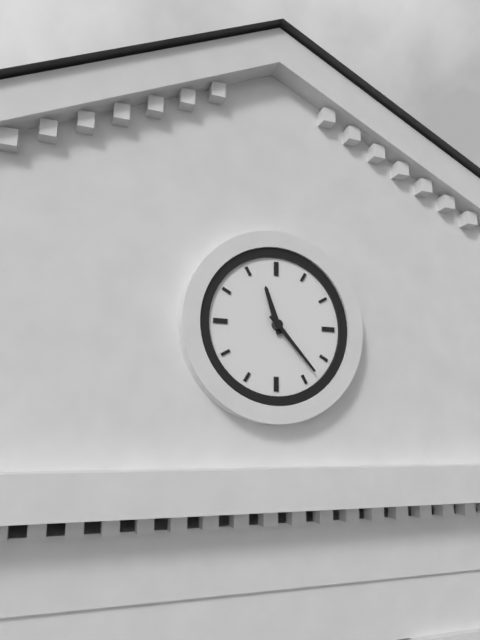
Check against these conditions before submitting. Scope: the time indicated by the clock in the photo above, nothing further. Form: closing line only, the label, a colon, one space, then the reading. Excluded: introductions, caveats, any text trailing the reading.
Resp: 11:23
